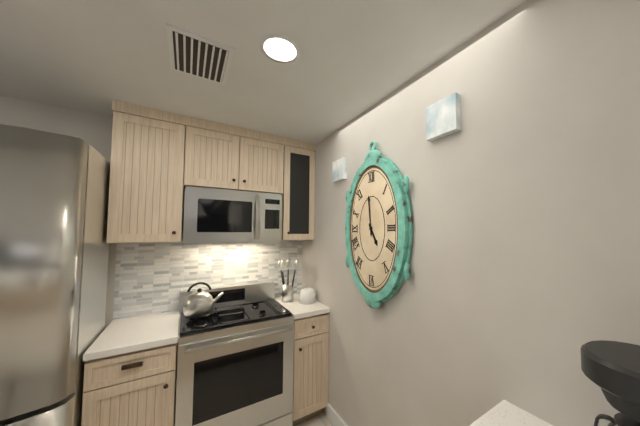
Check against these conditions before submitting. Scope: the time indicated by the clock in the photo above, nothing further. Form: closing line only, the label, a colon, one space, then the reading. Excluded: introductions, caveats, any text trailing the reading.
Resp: 4:59
